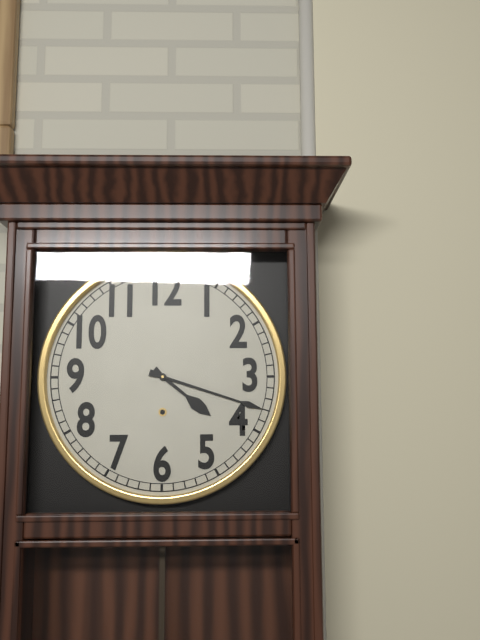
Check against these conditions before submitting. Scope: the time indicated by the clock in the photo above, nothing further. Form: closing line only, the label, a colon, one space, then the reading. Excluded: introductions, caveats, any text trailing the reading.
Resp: 4:18
